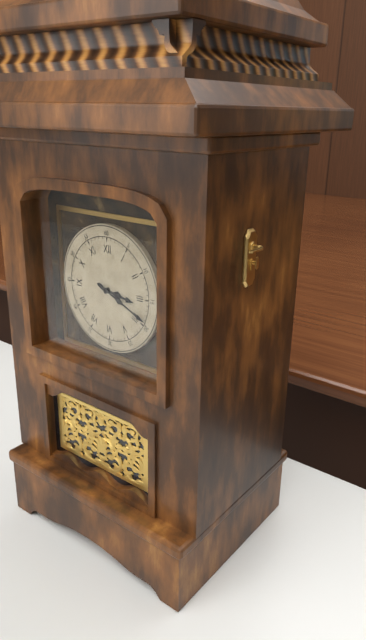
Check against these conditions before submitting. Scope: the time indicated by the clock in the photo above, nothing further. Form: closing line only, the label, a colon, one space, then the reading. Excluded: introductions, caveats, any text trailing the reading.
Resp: 3:19
